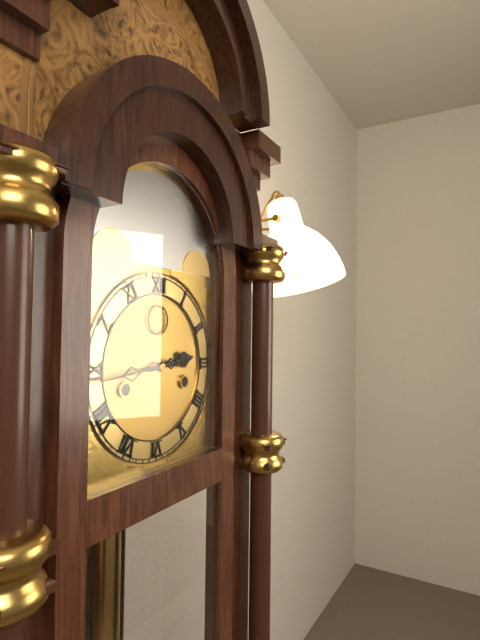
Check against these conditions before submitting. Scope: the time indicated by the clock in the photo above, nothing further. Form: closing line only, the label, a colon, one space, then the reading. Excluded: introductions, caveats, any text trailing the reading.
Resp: 2:44
